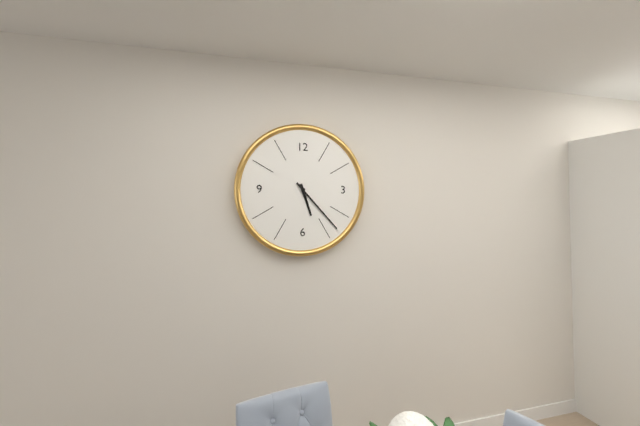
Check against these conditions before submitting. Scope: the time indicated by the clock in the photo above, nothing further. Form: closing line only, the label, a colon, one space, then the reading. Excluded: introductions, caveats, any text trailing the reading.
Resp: 5:23
